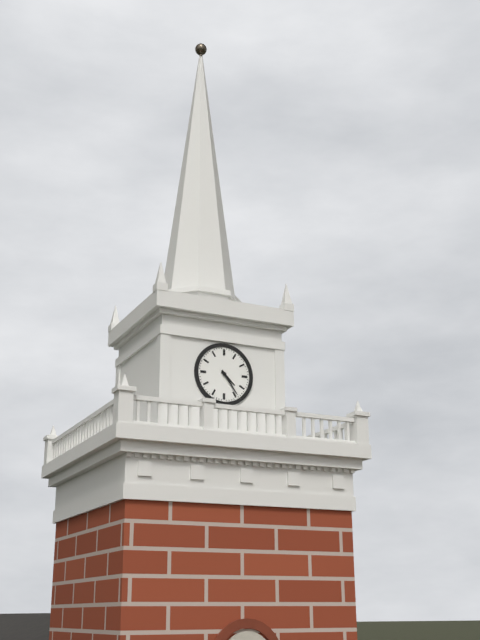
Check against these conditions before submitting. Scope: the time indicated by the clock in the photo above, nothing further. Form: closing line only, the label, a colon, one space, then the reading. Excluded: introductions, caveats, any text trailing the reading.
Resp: 4:24
